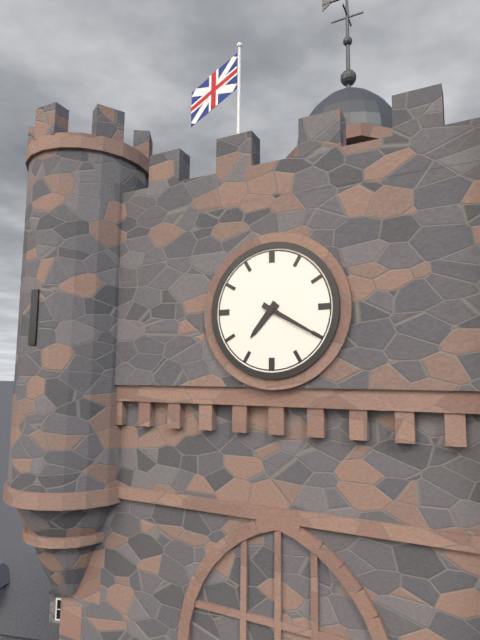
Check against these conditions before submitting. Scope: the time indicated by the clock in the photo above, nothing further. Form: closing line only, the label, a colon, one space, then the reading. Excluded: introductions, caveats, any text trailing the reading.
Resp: 7:20
